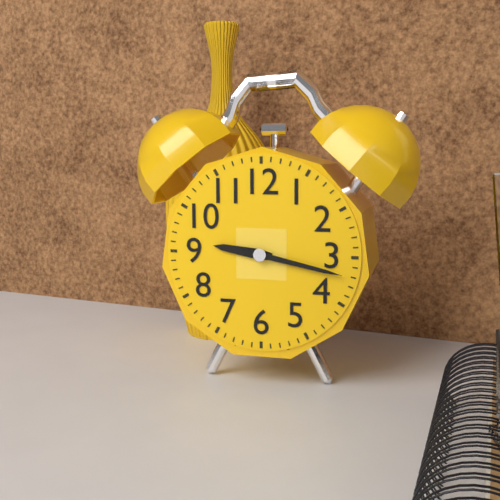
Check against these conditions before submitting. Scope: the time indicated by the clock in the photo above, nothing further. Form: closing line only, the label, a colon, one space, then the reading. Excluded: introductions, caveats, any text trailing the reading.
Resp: 9:17
